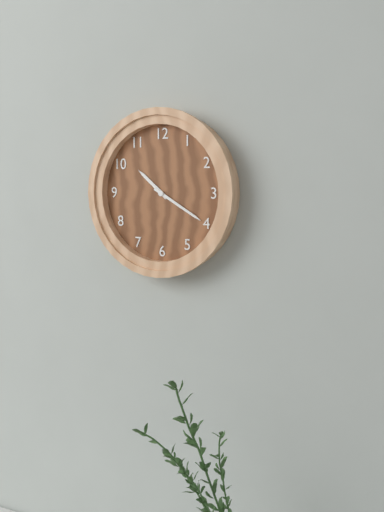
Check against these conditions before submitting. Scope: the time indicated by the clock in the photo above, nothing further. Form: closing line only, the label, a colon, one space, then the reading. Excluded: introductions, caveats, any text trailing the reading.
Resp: 10:20
